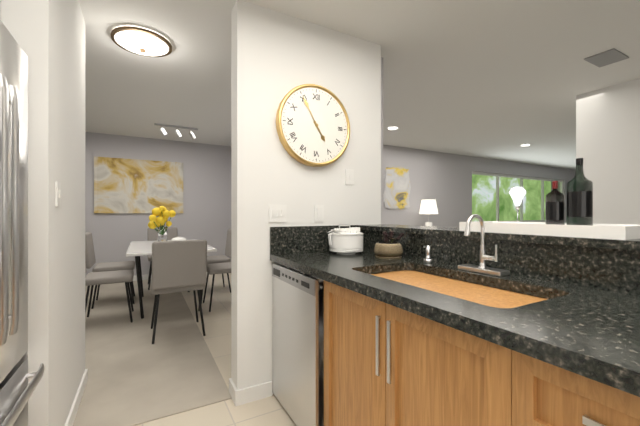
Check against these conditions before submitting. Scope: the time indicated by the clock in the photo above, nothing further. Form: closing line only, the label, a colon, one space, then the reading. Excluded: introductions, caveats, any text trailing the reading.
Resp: 4:55
